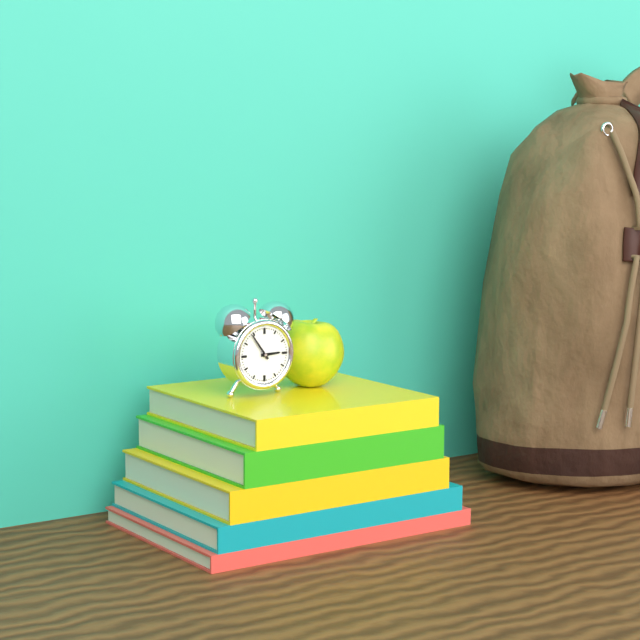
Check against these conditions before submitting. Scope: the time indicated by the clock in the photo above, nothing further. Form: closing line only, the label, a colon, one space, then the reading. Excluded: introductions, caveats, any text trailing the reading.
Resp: 2:54
